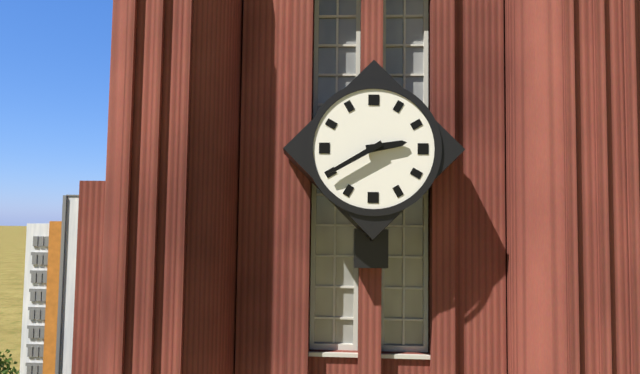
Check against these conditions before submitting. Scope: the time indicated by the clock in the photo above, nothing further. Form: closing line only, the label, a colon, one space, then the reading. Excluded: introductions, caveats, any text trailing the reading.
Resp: 2:40
